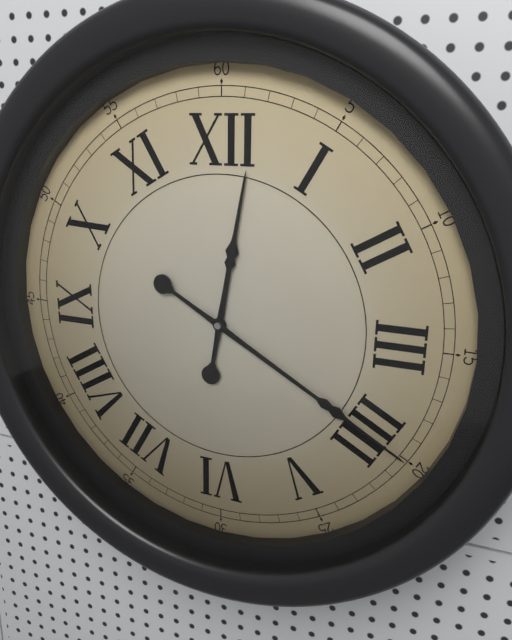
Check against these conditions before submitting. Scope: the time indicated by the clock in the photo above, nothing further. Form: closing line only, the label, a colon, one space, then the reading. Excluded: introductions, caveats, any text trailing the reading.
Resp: 12:20
